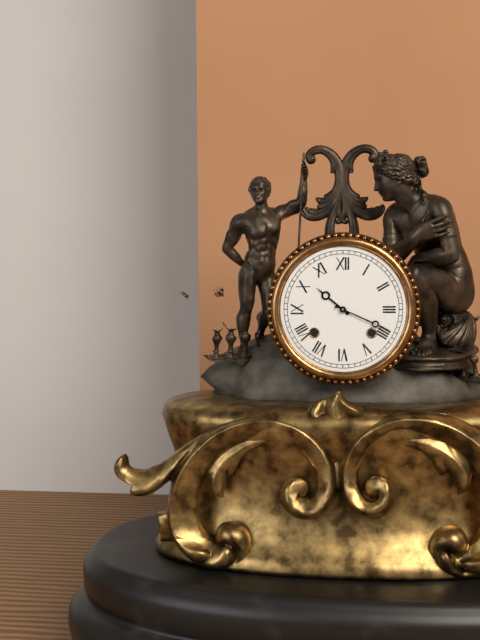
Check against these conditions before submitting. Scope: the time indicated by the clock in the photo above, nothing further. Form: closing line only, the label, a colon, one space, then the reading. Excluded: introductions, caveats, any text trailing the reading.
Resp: 10:19
